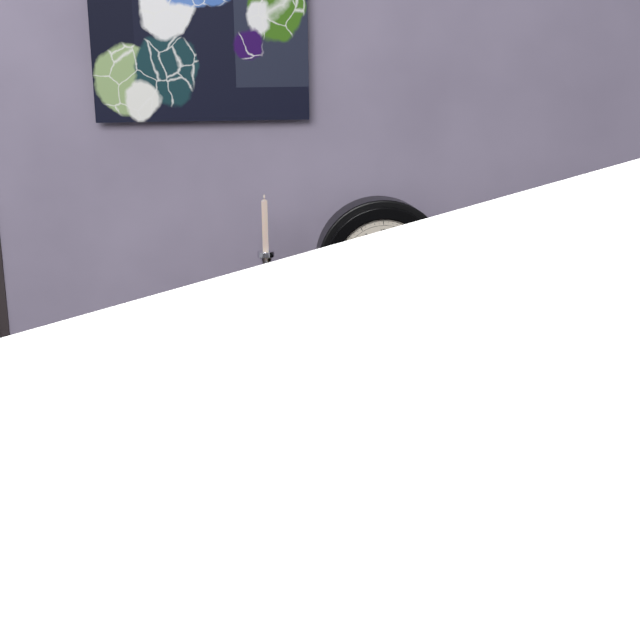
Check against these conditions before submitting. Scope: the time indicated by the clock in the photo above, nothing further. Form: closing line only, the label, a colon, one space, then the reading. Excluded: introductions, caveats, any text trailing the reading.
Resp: 7:19
